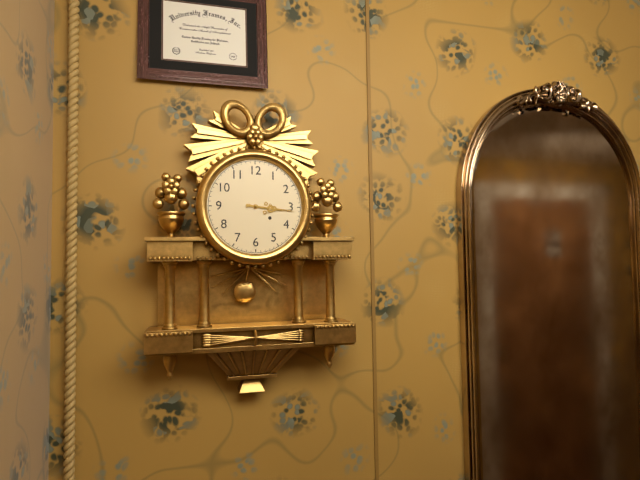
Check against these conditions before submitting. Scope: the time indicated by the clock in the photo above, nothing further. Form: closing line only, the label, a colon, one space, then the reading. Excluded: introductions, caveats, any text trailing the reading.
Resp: 3:16
